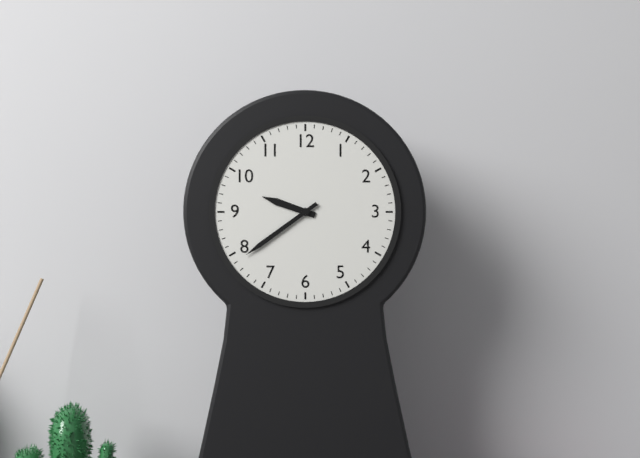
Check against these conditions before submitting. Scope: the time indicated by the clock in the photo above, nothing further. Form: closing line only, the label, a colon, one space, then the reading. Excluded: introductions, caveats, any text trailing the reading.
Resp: 9:39
